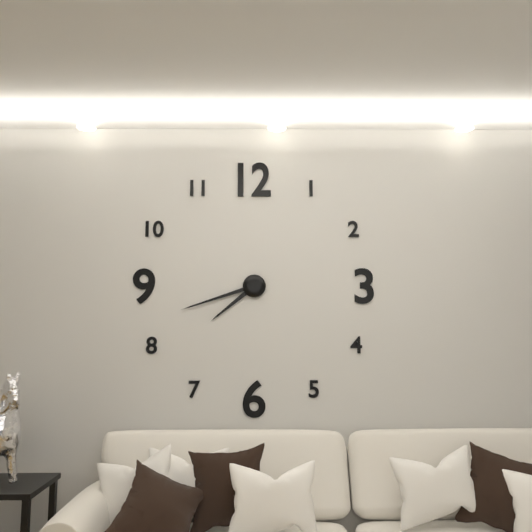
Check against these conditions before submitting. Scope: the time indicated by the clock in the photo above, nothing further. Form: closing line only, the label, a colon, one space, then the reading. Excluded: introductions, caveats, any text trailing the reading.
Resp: 7:42
